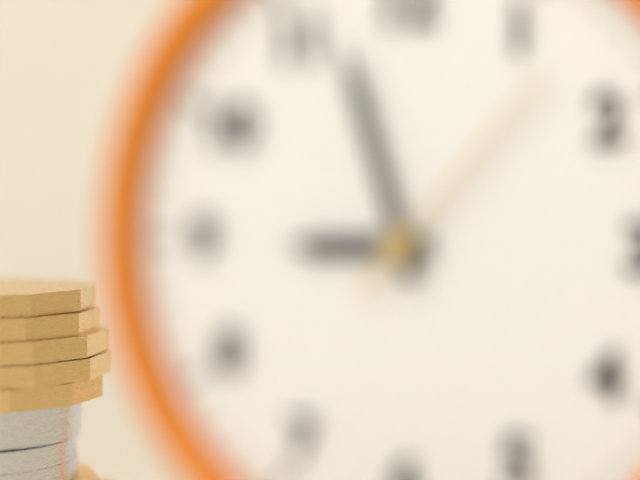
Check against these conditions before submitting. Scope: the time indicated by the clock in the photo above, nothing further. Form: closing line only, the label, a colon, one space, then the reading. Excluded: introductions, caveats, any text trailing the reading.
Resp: 8:57:07
